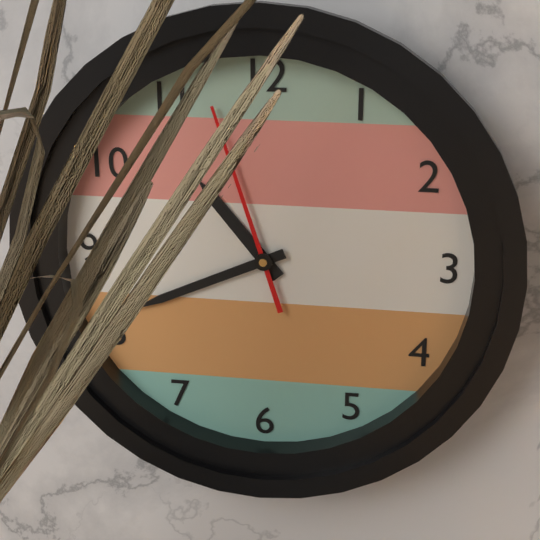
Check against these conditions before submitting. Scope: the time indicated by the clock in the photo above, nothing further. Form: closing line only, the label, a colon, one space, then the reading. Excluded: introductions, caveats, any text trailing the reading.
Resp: 10:41:57
